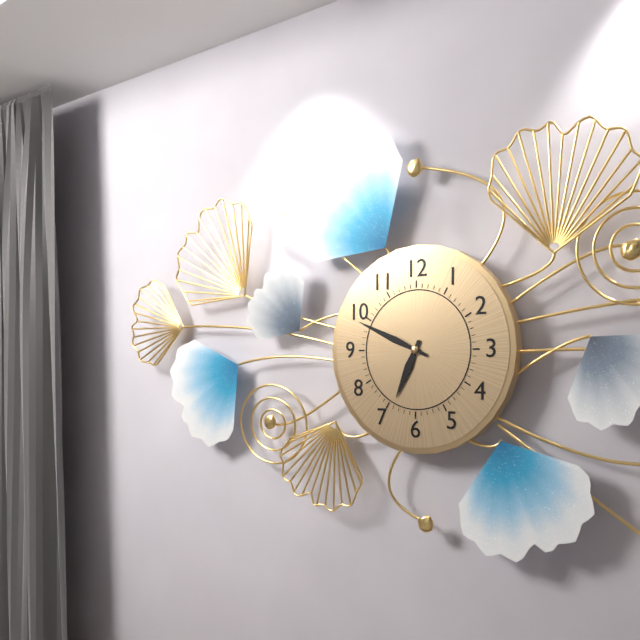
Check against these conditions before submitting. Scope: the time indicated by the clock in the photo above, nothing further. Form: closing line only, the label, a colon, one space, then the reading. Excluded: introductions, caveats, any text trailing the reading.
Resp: 6:49
